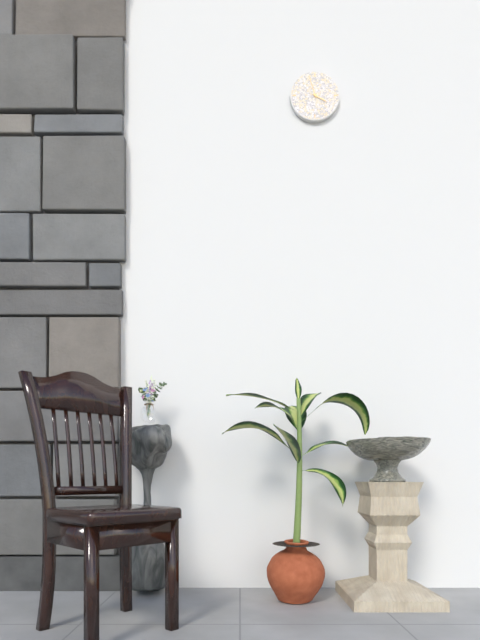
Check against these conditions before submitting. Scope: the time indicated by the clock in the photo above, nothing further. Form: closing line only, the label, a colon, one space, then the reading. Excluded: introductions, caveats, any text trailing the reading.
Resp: 3:57
